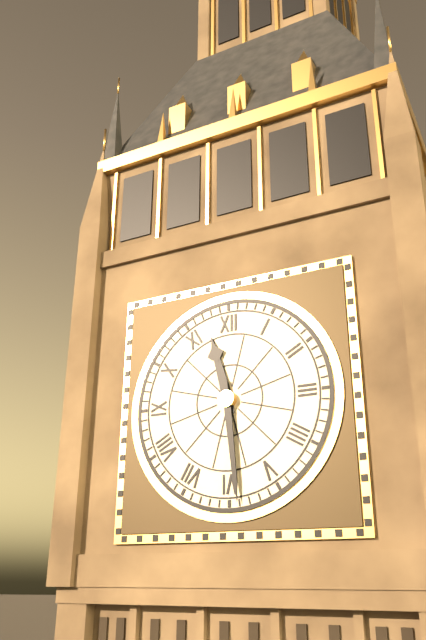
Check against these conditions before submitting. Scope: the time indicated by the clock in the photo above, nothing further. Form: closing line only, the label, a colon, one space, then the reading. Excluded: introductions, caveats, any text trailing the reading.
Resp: 11:29
